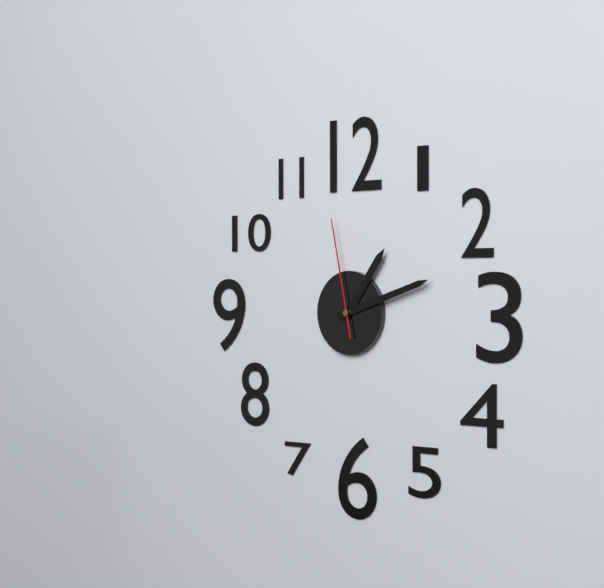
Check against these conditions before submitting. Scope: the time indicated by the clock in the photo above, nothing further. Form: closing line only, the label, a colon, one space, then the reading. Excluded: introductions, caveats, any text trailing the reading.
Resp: 1:12:58
